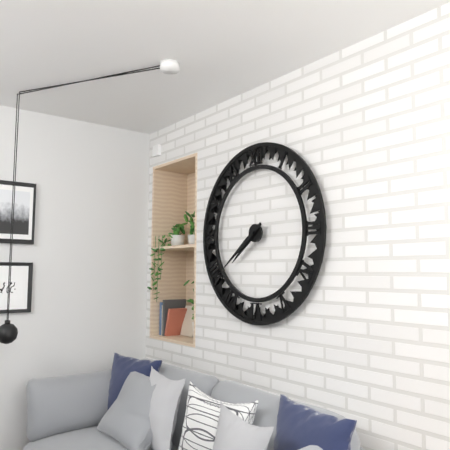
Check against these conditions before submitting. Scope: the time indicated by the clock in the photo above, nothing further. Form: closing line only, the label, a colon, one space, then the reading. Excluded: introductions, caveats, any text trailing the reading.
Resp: 7:39
